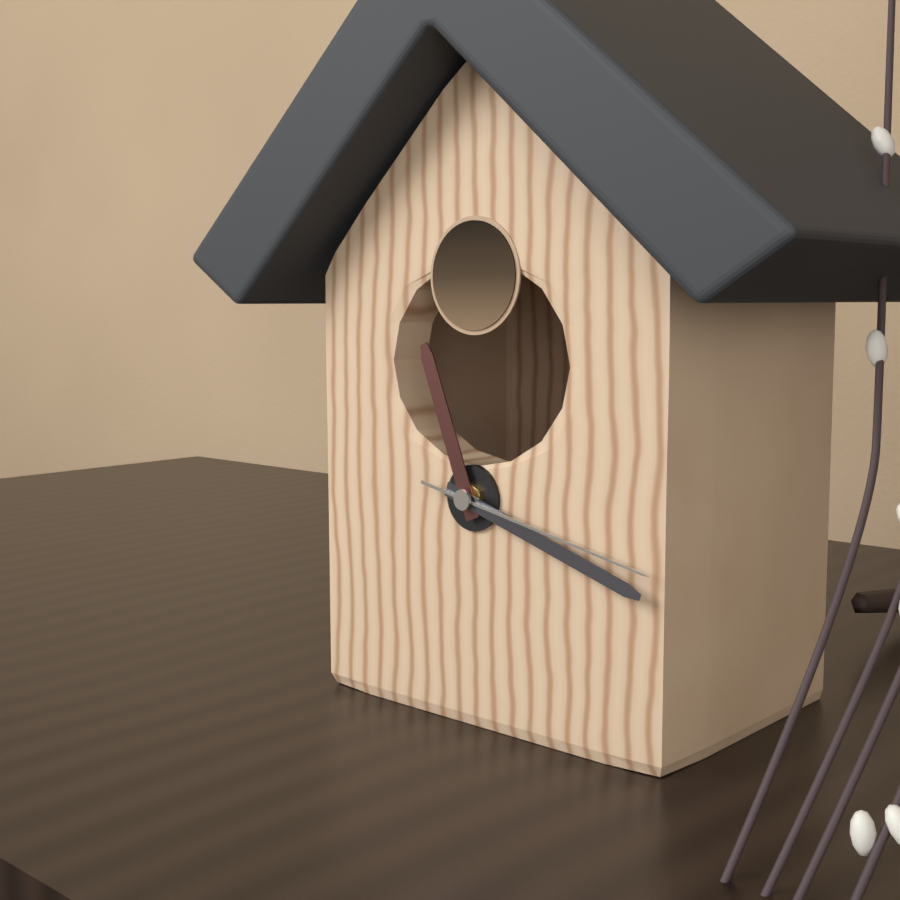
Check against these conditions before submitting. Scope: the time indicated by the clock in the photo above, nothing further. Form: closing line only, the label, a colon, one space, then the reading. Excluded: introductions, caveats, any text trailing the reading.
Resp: 11:18:17
